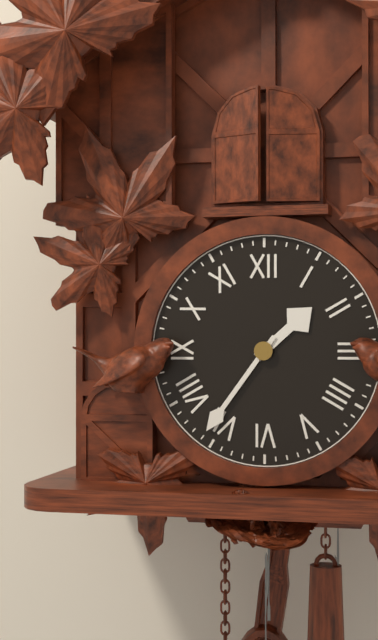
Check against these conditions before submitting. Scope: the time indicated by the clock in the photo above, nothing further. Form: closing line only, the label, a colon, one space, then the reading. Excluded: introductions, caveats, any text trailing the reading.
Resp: 1:36
